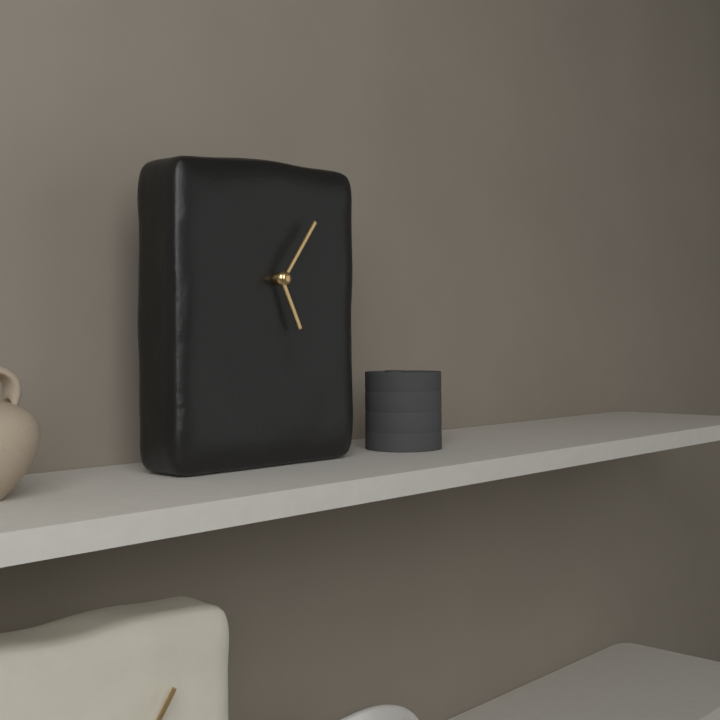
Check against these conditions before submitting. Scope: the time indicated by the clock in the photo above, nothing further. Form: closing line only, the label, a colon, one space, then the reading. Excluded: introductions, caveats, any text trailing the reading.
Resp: 5:06
